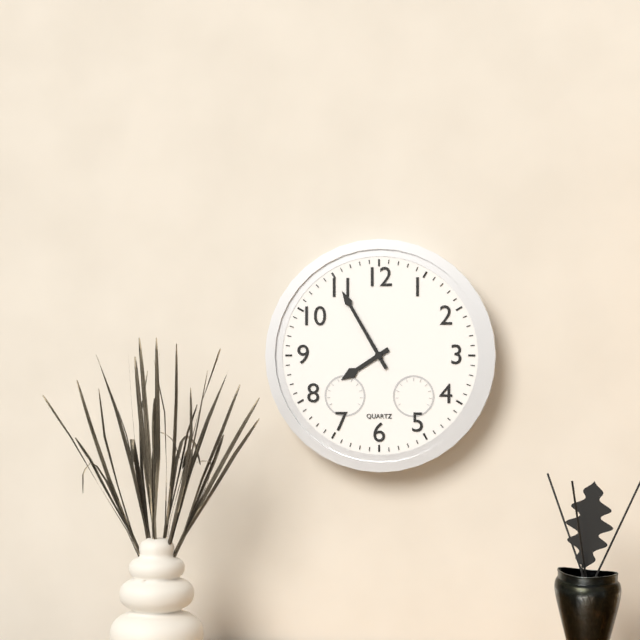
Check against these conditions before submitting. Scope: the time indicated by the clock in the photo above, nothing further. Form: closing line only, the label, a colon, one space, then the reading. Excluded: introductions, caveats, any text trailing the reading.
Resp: 7:55
